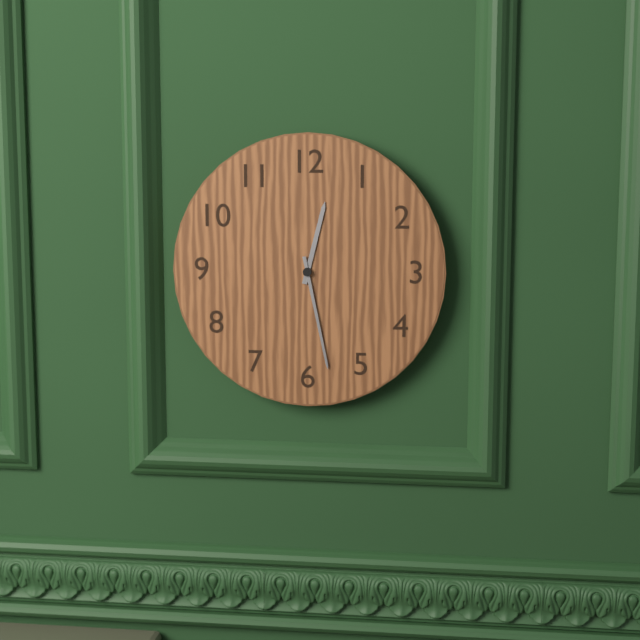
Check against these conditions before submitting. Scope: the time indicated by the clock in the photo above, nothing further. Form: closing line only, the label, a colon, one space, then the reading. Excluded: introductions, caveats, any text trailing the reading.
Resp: 12:28
